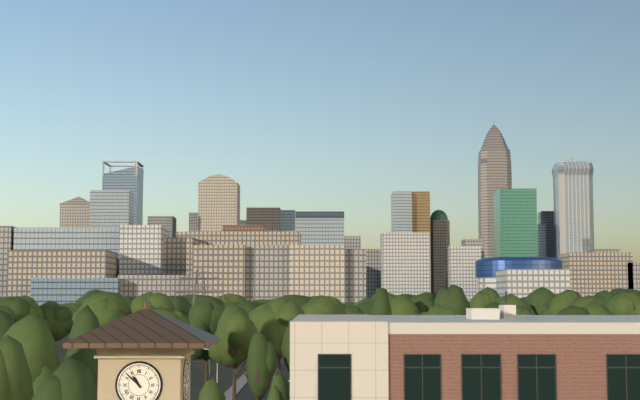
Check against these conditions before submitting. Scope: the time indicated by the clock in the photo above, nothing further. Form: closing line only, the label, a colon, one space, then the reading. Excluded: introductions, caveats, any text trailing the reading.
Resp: 10:52
